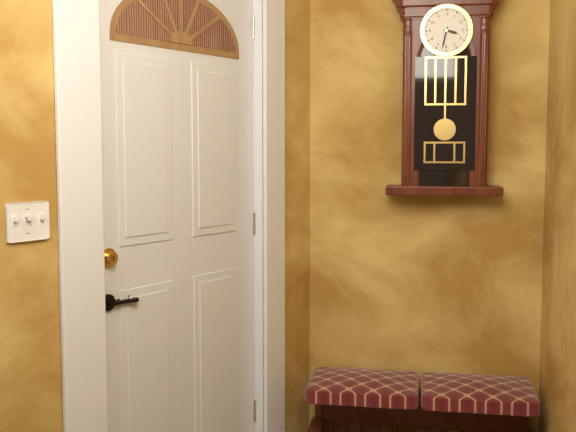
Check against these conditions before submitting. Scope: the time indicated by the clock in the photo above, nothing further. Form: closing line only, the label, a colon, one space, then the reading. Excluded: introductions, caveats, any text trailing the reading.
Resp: 3:32
